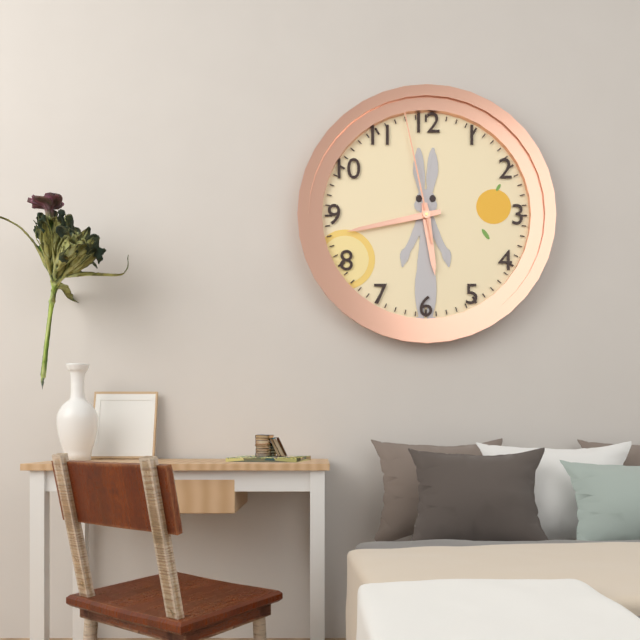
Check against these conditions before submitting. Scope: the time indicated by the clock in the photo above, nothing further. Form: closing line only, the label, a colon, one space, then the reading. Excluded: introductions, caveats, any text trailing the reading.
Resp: 5:43:58
